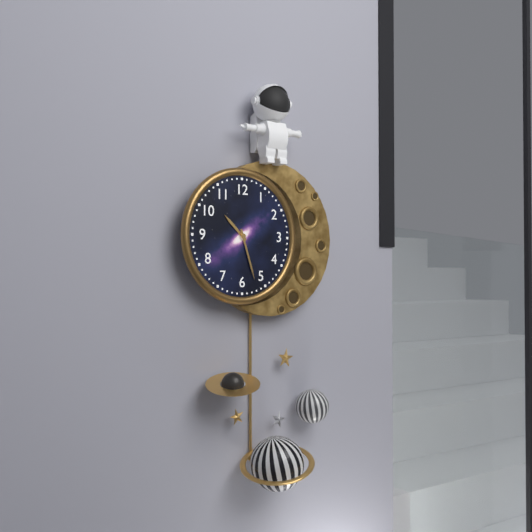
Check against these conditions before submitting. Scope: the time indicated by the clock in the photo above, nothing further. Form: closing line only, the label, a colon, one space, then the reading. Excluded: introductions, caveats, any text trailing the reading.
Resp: 10:27
